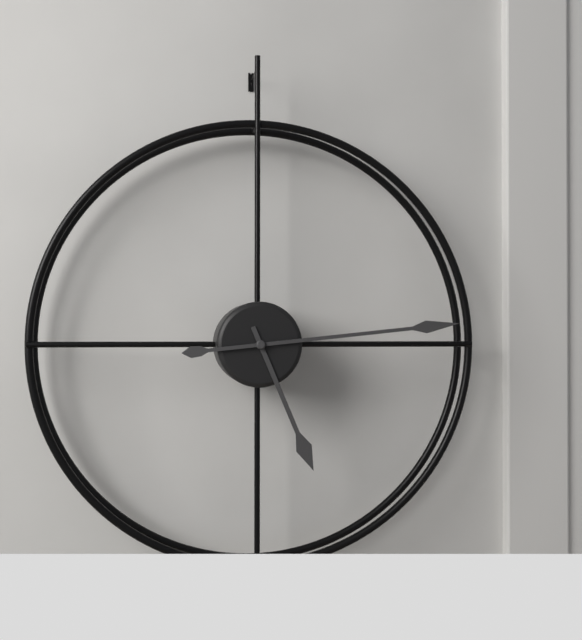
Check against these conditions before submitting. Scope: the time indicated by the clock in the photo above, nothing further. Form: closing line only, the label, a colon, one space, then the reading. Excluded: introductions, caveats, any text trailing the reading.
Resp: 5:14
